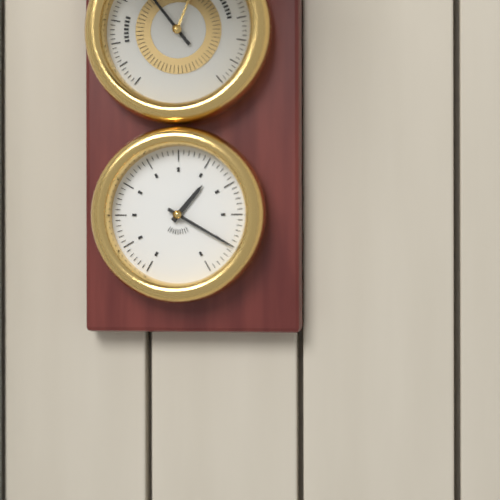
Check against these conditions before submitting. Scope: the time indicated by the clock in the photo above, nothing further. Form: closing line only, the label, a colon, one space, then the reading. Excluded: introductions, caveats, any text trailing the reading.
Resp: 1:20
